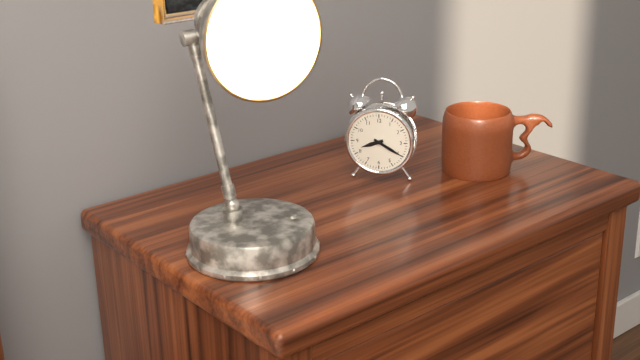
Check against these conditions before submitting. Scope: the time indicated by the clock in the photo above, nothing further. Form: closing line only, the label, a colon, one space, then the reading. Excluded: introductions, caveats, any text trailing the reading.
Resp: 8:20
